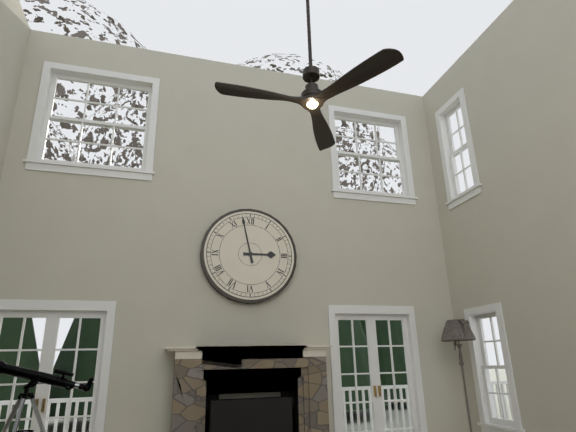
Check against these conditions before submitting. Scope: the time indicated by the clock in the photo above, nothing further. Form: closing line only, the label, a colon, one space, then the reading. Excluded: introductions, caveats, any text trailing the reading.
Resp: 2:58
